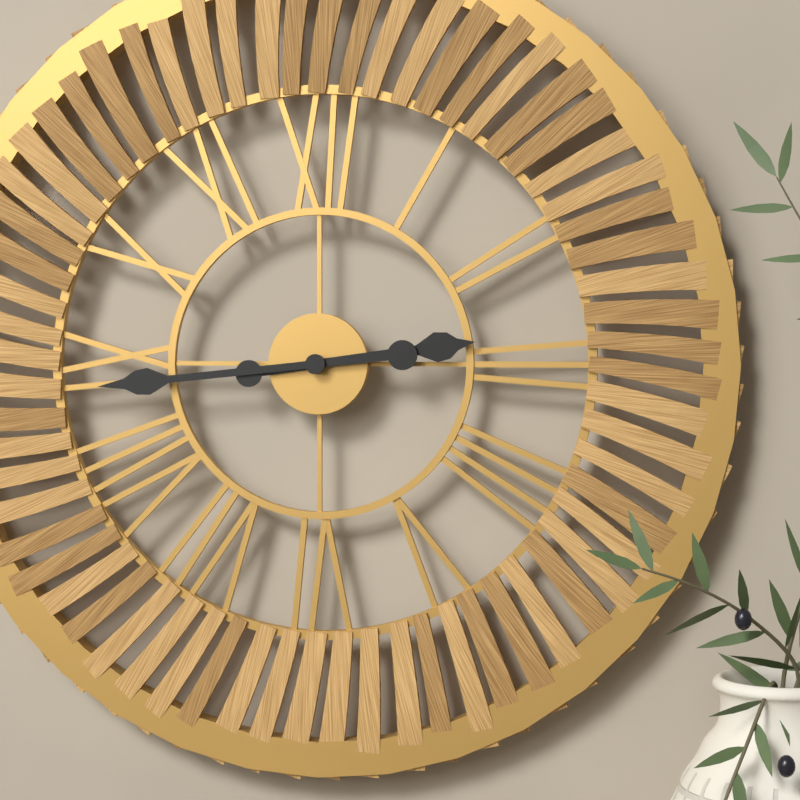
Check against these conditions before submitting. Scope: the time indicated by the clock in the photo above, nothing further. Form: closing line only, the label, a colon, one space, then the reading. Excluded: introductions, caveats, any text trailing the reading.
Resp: 2:44
